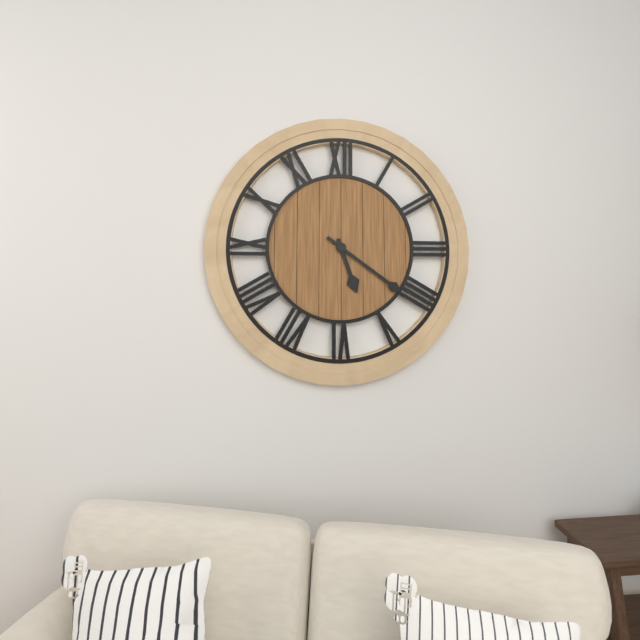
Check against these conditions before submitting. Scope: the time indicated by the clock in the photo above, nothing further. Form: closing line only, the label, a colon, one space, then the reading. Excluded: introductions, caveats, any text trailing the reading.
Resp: 5:21
